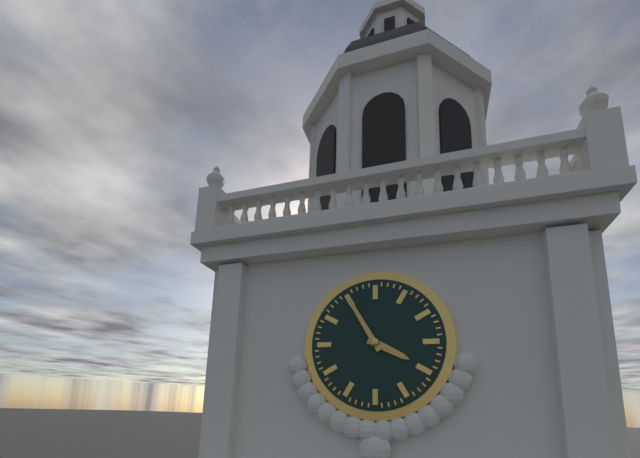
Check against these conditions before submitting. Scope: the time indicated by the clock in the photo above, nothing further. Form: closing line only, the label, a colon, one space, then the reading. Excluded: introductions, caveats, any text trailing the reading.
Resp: 3:55
